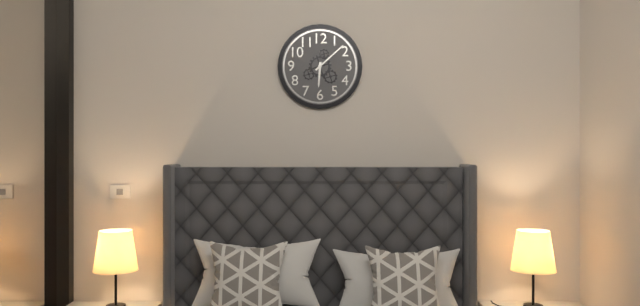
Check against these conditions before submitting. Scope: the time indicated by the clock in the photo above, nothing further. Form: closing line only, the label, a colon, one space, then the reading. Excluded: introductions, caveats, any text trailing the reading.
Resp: 6:08
